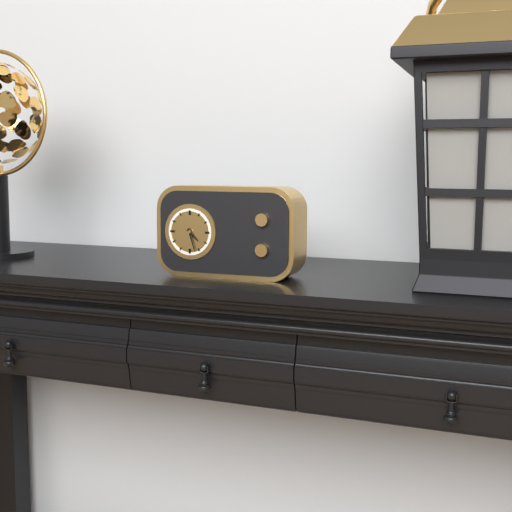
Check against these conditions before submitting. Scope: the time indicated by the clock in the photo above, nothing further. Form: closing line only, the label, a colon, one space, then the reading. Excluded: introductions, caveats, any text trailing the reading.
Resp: 4:27
